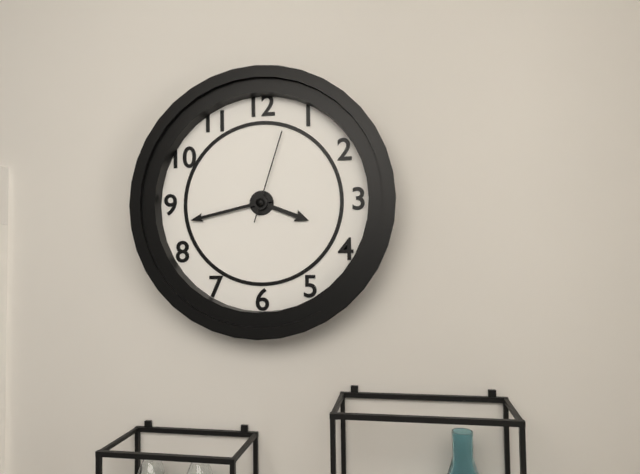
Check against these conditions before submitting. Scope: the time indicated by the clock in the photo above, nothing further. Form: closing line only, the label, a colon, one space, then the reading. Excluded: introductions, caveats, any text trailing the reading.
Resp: 3:43:03
